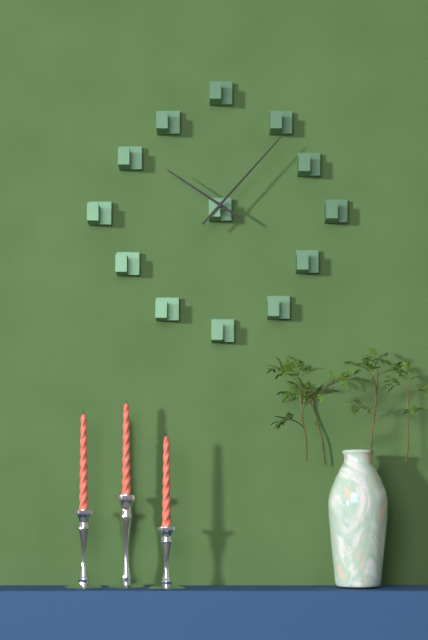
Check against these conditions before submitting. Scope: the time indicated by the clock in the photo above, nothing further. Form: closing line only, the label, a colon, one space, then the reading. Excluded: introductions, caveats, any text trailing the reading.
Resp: 10:07
